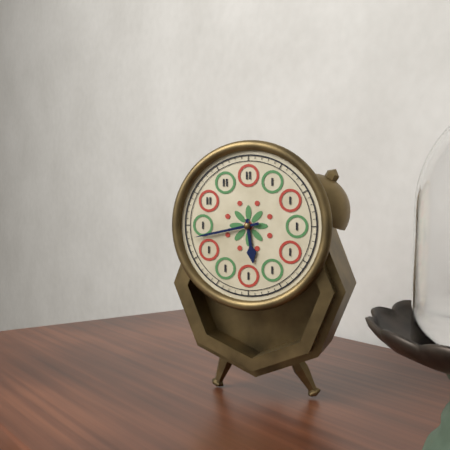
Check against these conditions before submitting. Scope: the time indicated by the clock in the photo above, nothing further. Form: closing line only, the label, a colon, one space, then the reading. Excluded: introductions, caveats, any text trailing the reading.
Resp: 5:43
